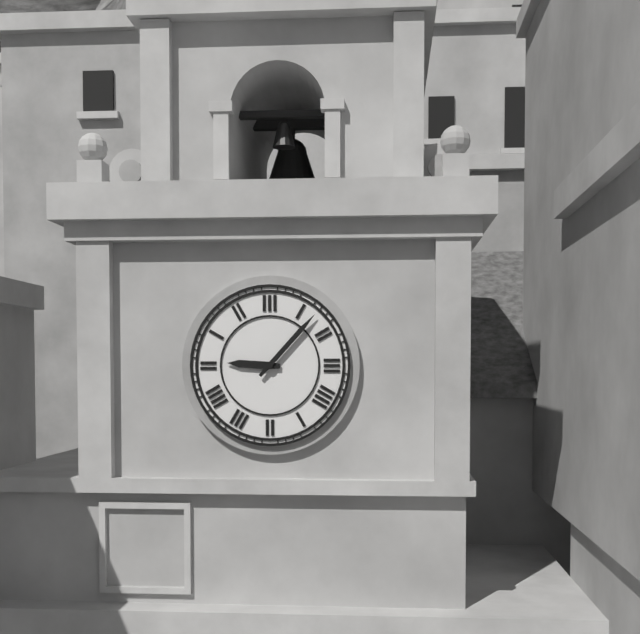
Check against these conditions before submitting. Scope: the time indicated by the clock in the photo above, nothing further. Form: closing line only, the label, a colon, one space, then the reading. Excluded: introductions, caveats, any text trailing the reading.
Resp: 9:07
